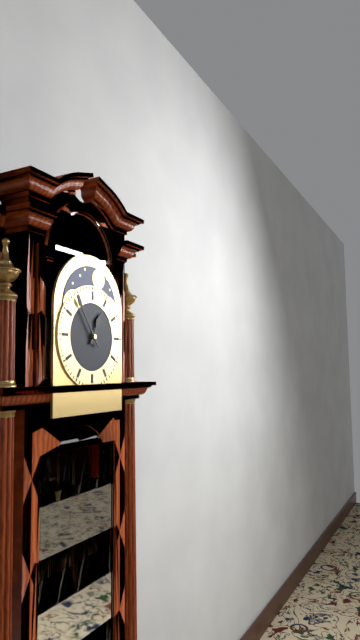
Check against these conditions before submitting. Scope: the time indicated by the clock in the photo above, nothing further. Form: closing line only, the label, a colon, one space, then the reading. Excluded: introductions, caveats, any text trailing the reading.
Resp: 12:54
